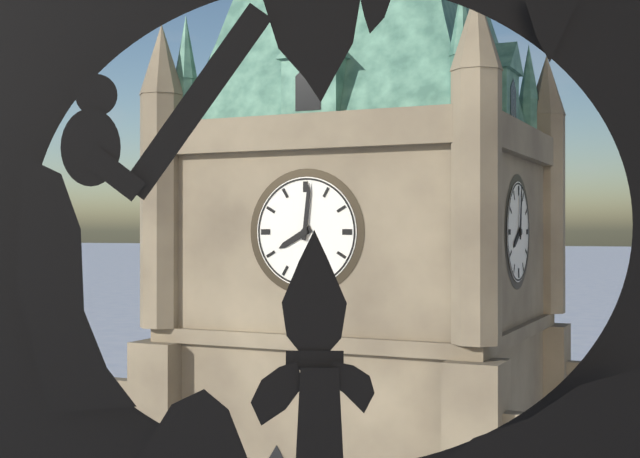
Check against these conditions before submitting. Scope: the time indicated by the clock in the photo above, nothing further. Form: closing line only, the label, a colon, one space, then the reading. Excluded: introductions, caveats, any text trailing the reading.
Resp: 8:01
